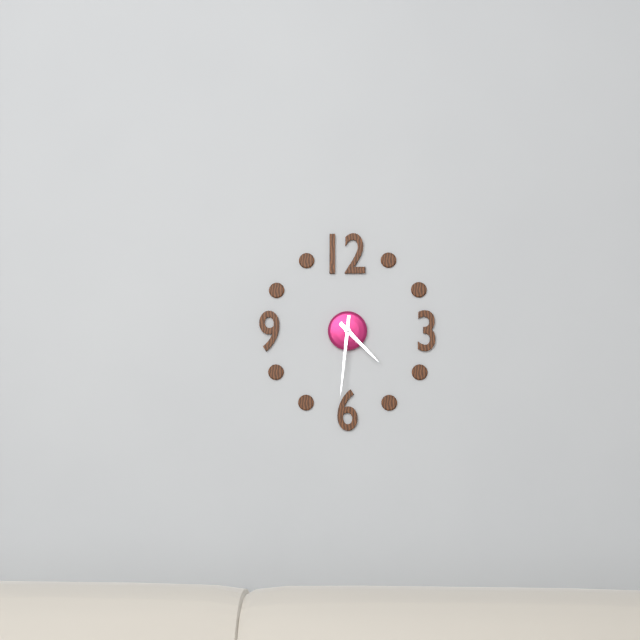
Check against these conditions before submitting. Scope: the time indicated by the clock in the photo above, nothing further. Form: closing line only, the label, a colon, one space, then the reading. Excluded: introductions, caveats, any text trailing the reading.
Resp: 4:31
